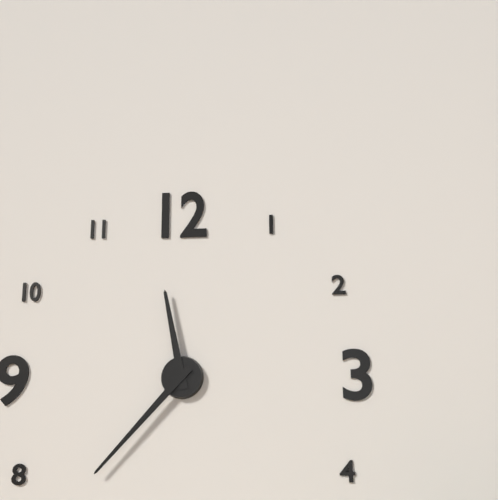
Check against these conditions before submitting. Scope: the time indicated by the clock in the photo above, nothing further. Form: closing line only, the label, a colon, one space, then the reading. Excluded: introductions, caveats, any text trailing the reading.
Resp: 11:37
